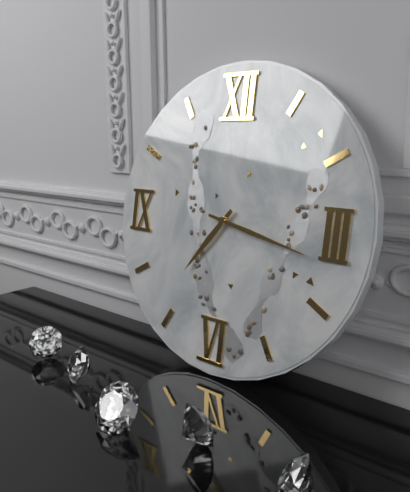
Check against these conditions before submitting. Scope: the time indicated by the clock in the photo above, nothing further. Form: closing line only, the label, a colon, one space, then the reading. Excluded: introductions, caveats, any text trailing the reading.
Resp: 7:17
